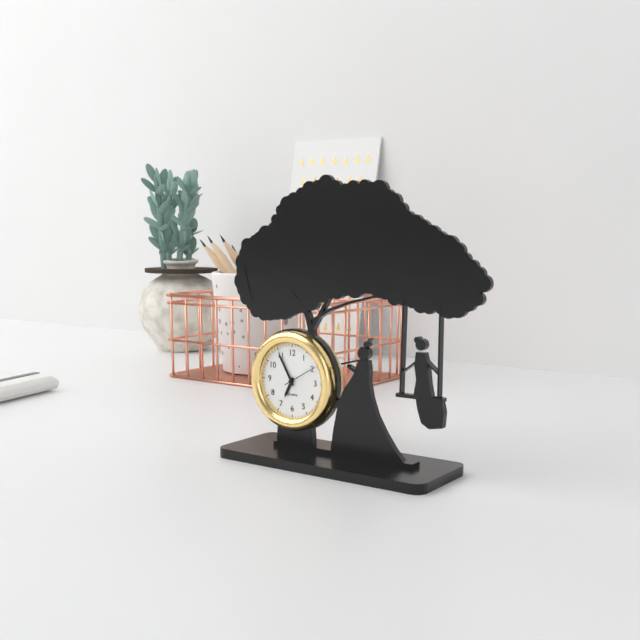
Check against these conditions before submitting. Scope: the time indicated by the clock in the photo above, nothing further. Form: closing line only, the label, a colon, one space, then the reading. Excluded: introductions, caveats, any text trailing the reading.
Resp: 6:55
